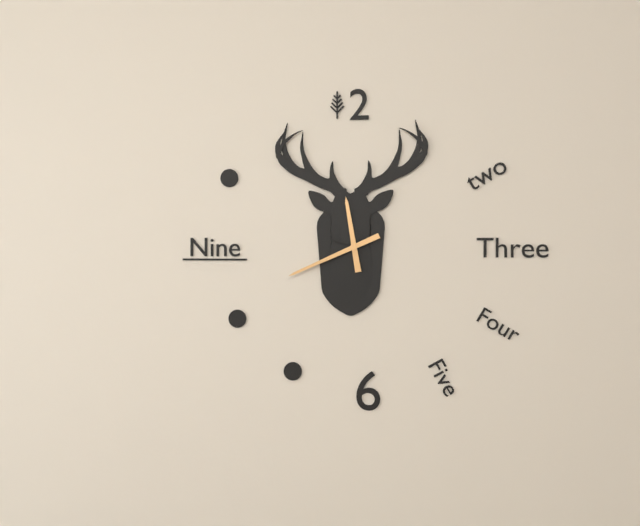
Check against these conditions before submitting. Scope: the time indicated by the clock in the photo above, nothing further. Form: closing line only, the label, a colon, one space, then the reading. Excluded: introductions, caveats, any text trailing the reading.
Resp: 11:41
